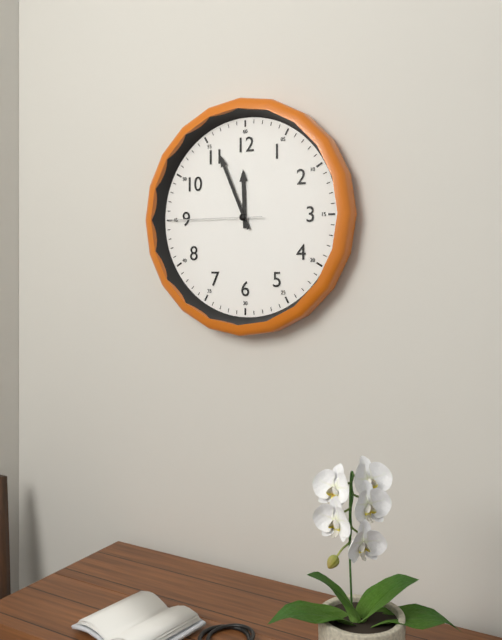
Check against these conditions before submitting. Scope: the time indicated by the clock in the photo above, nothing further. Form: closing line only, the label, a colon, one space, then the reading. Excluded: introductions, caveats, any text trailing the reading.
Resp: 11:56:45
